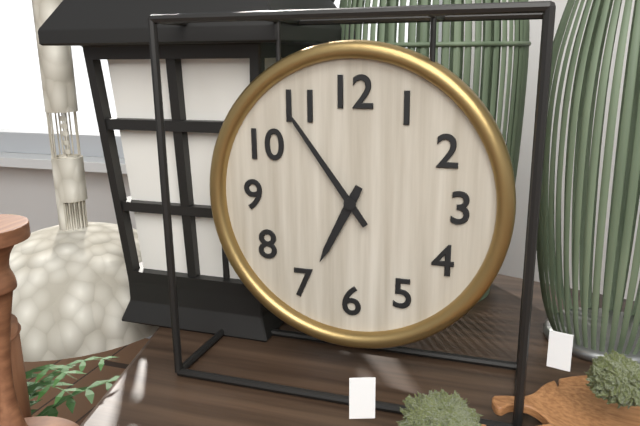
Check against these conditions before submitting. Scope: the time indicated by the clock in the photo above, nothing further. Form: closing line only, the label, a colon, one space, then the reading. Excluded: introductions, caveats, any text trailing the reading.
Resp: 6:54
